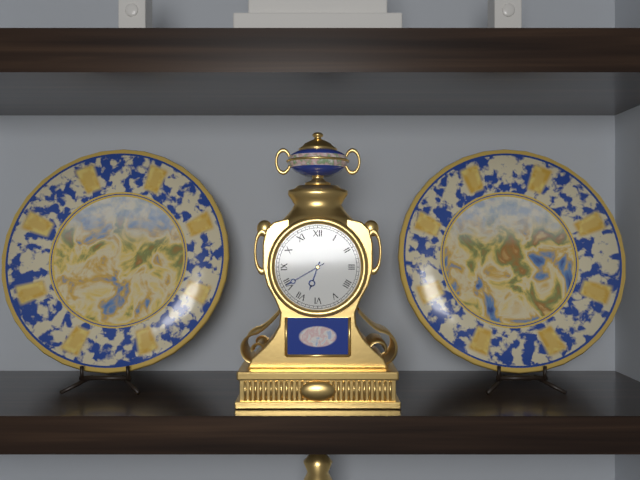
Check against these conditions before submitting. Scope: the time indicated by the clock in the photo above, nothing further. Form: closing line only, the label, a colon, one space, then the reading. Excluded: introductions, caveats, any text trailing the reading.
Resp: 6:40
